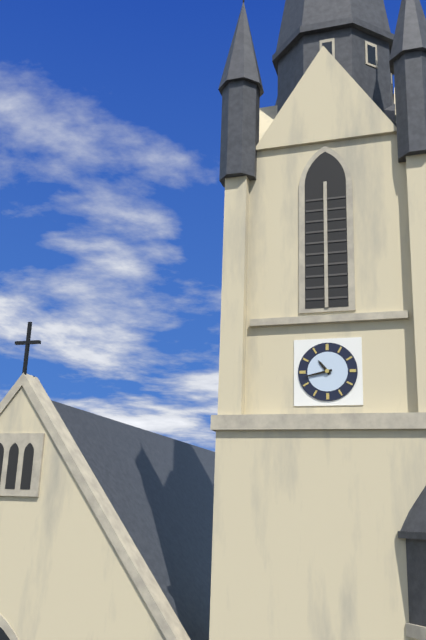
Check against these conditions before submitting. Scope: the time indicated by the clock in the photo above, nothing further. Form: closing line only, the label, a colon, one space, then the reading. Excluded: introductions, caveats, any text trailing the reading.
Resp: 10:43
